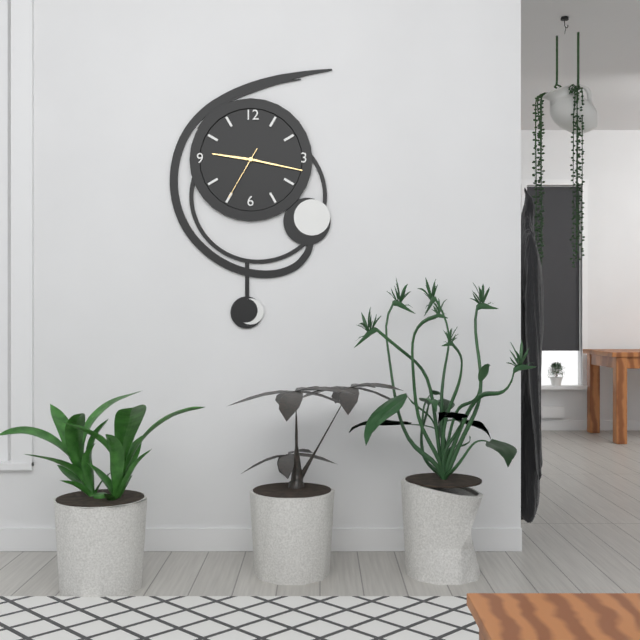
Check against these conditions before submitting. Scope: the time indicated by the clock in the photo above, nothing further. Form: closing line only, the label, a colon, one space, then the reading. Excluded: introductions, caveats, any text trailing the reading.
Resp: 9:17:35
